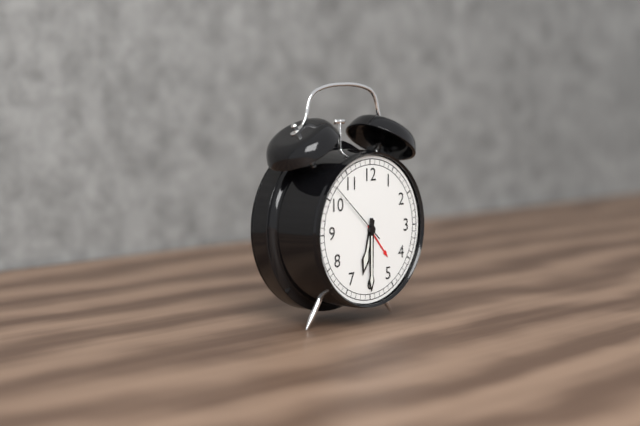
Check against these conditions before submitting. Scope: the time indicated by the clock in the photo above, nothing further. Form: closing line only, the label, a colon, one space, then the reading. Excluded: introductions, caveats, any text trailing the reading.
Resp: 6:30:52
